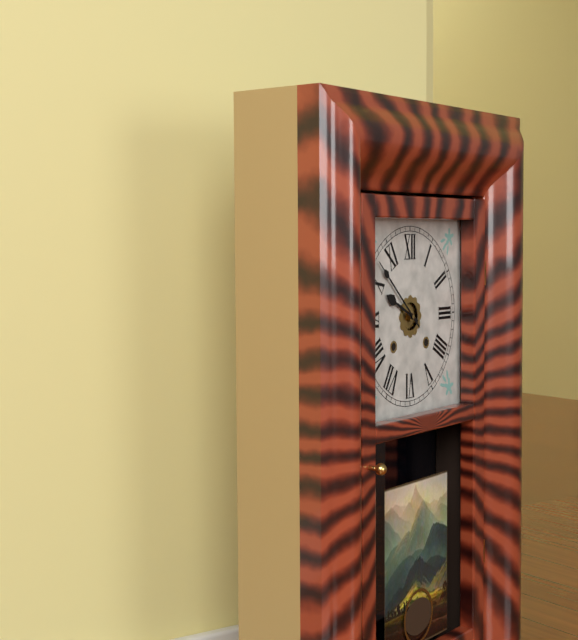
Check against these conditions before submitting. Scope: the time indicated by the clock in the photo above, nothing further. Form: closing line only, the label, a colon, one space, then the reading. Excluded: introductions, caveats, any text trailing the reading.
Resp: 9:52
